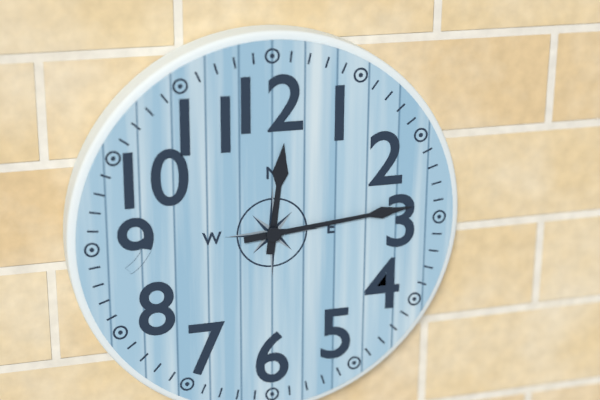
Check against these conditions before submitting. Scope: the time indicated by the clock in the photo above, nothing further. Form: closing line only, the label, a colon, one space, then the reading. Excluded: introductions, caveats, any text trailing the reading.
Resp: 12:14
